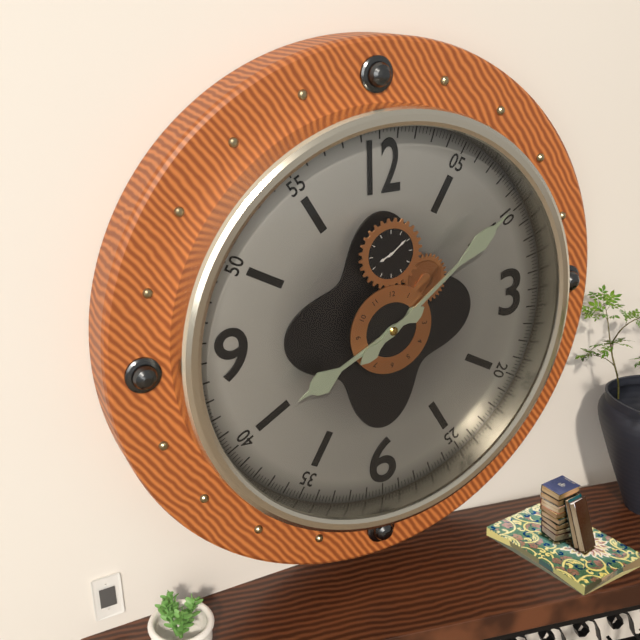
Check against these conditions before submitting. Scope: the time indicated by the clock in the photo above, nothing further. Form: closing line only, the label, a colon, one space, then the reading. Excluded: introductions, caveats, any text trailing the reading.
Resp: 8:09
